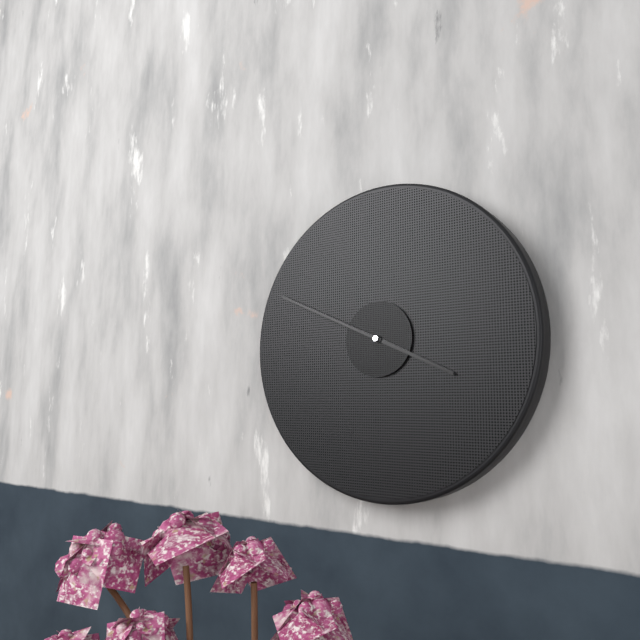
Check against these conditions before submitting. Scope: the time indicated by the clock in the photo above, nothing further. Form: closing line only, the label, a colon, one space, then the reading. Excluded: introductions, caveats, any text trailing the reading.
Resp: 3:49
